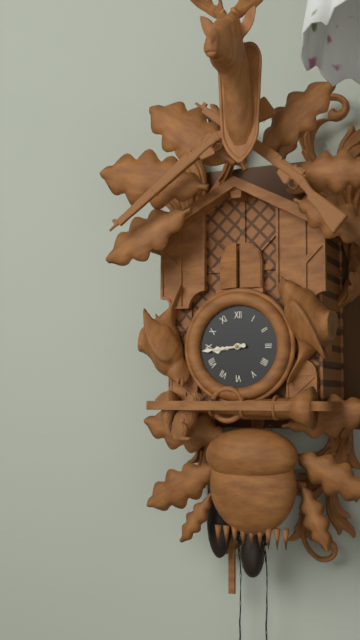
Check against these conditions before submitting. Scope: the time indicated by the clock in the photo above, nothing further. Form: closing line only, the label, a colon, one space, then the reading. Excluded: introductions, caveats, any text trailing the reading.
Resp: 8:44
